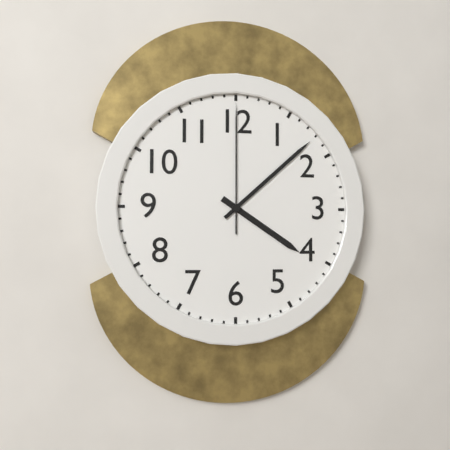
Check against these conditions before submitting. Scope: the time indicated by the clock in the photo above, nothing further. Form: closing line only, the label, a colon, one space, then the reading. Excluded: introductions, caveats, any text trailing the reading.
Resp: 4:08:00
